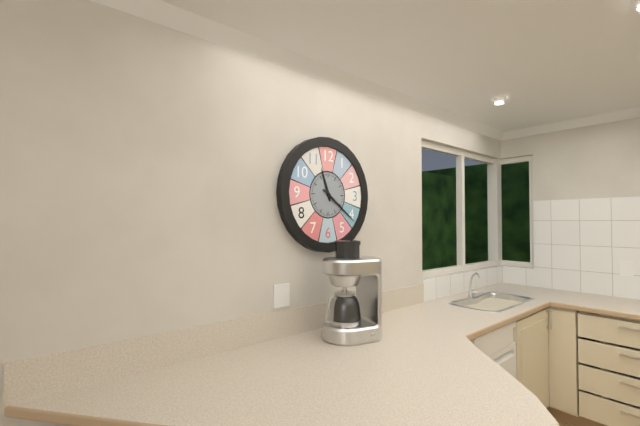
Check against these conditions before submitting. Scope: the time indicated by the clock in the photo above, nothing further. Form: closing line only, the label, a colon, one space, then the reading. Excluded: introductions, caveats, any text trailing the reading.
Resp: 11:21
